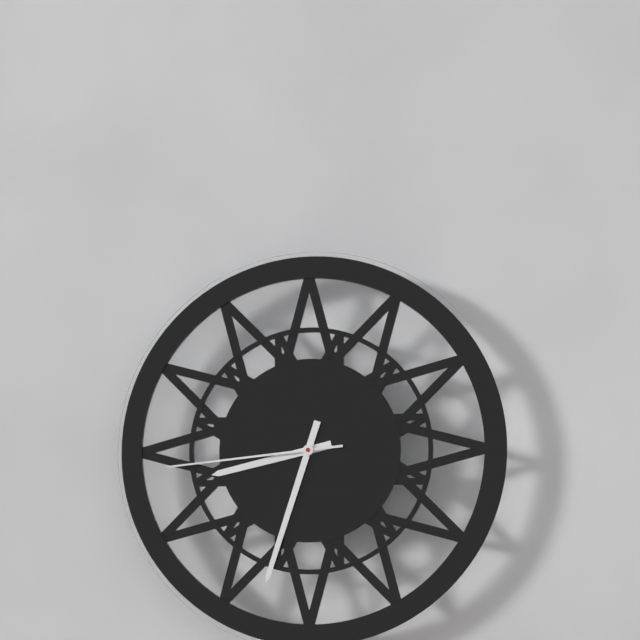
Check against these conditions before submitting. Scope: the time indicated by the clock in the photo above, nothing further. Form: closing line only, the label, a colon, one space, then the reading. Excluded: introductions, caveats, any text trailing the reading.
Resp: 8:33:44
